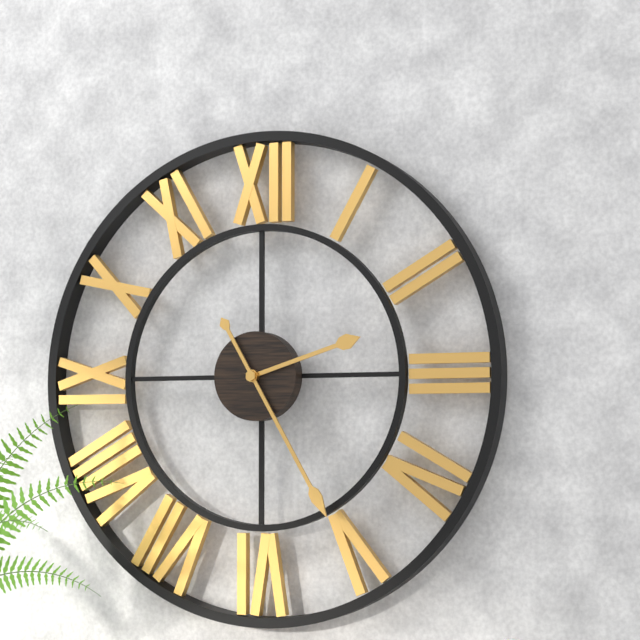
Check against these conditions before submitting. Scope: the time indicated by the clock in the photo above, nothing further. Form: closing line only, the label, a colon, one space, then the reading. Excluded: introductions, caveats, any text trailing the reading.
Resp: 2:25
